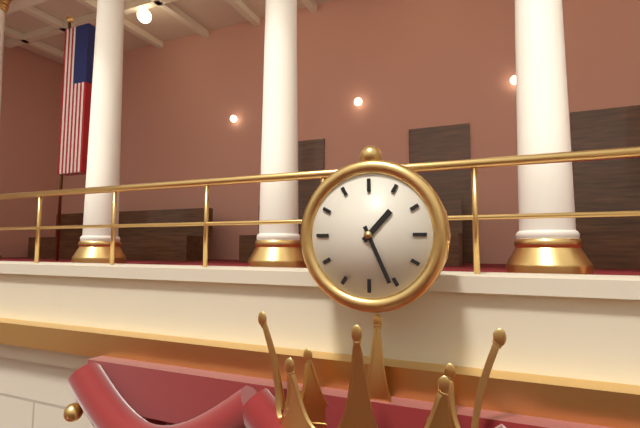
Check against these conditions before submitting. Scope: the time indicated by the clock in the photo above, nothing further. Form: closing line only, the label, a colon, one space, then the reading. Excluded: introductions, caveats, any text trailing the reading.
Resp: 1:26
